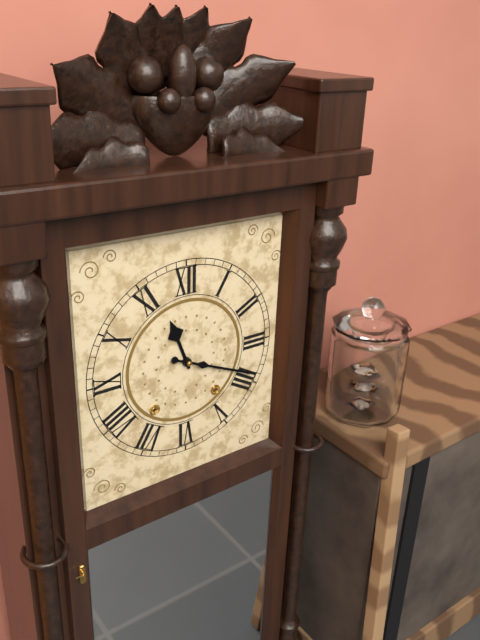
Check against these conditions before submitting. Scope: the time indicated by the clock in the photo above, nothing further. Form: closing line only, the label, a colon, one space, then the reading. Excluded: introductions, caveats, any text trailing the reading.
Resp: 11:19
